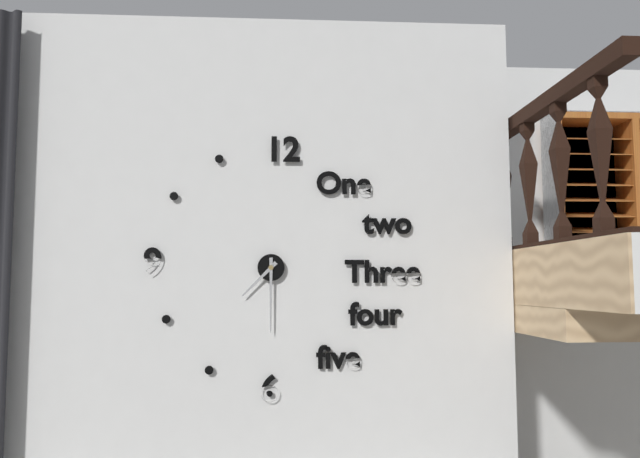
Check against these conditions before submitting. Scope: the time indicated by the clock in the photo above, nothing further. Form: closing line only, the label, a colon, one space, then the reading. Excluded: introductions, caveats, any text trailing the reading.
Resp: 7:30
